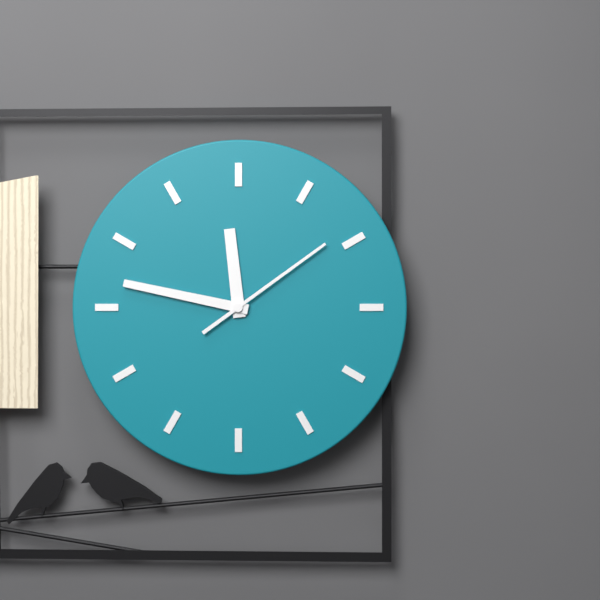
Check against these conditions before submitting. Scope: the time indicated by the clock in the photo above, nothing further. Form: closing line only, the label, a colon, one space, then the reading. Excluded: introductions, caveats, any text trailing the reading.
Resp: 11:47:09
